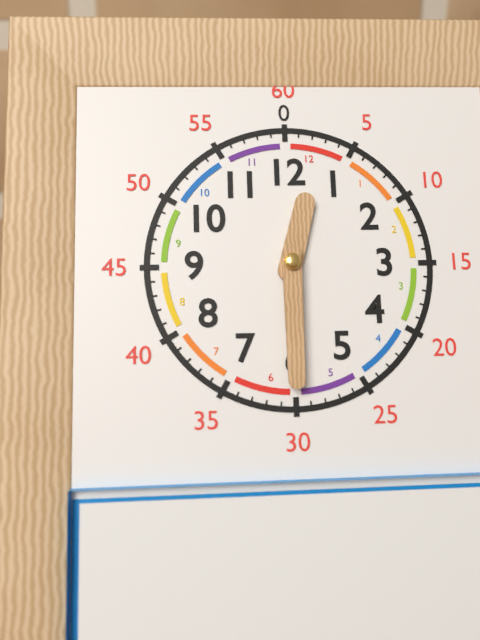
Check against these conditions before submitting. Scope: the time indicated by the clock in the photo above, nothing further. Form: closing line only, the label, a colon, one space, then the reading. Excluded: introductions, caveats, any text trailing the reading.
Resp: 12:30
